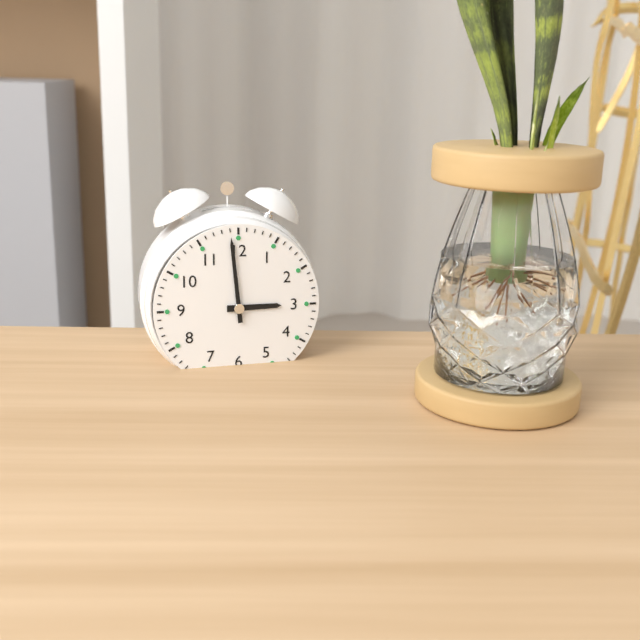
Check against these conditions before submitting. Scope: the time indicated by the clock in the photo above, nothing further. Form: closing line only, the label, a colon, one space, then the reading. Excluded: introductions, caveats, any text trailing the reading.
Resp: 2:59
